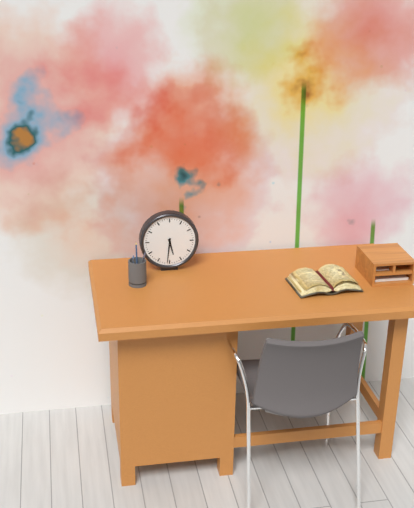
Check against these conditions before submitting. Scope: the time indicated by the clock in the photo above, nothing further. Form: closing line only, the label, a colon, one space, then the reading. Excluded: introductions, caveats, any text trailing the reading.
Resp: 5:31
